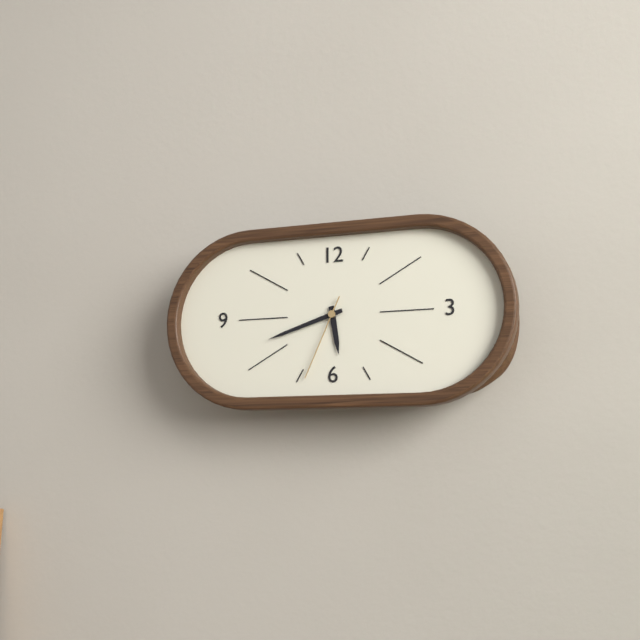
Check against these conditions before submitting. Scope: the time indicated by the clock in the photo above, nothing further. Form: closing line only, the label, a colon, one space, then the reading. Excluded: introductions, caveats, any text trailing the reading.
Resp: 5:42:34
